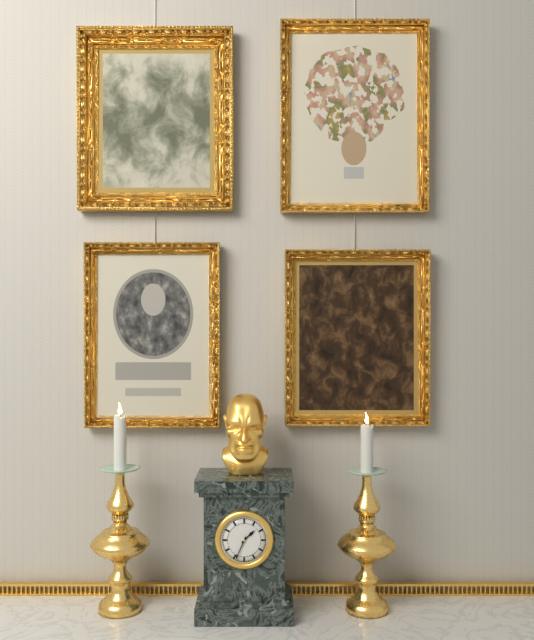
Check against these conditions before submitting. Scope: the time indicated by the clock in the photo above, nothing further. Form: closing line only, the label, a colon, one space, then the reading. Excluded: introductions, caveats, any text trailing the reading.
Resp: 1:34
